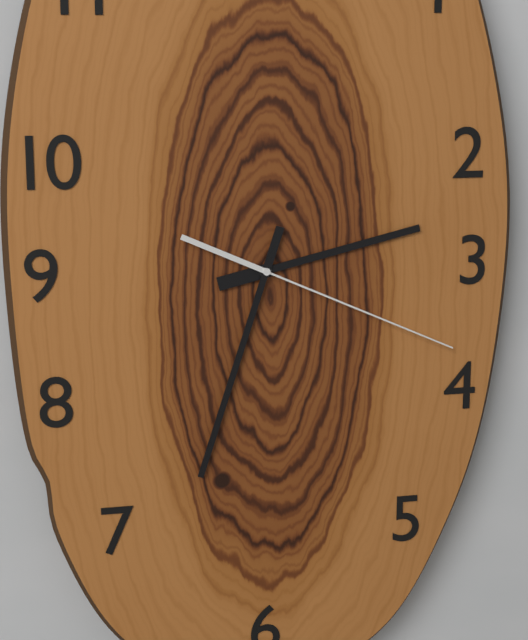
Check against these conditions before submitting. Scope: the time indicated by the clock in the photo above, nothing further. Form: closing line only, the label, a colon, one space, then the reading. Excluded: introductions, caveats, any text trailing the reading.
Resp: 2:33:19
